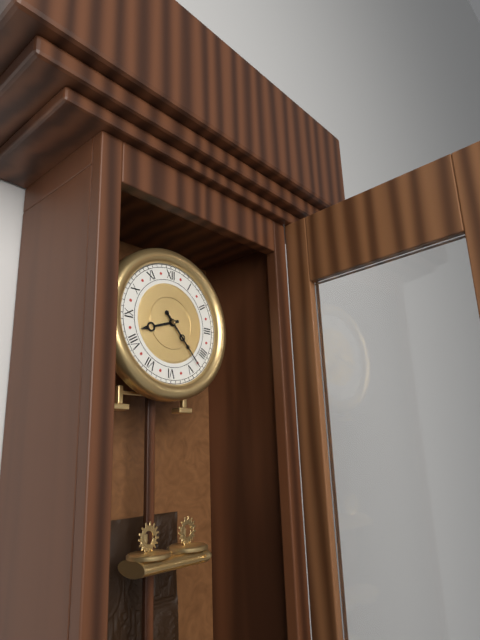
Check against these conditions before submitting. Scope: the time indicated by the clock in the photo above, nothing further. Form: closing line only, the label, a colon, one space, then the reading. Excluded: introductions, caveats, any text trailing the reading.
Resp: 8:23
